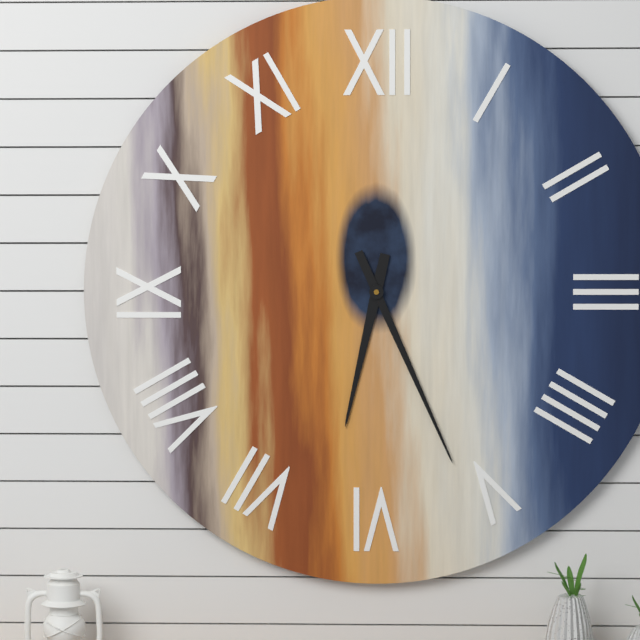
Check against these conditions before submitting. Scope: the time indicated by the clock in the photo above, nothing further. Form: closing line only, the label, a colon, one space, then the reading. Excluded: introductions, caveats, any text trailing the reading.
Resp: 6:26
